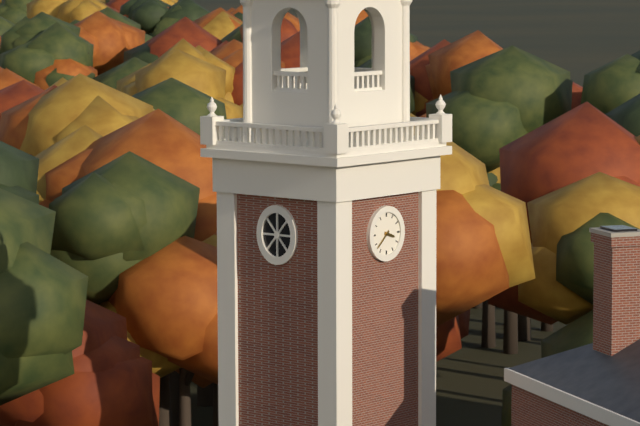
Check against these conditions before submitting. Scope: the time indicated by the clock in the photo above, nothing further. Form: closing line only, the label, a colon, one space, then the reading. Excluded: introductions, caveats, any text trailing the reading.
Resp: 3:38
